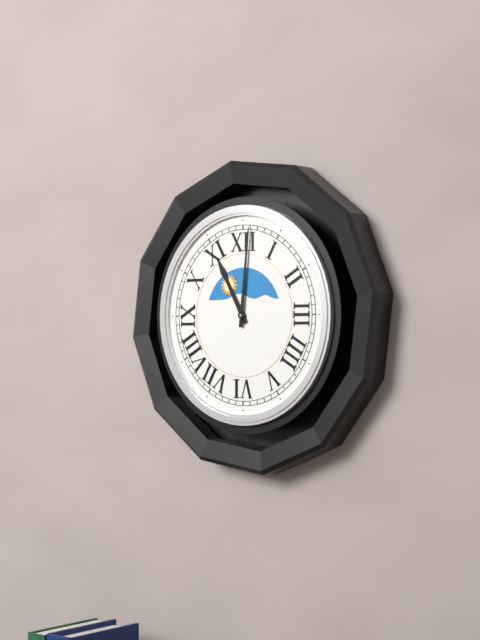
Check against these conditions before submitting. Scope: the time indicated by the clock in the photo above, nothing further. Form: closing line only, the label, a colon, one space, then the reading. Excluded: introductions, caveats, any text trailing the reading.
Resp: 11:01
